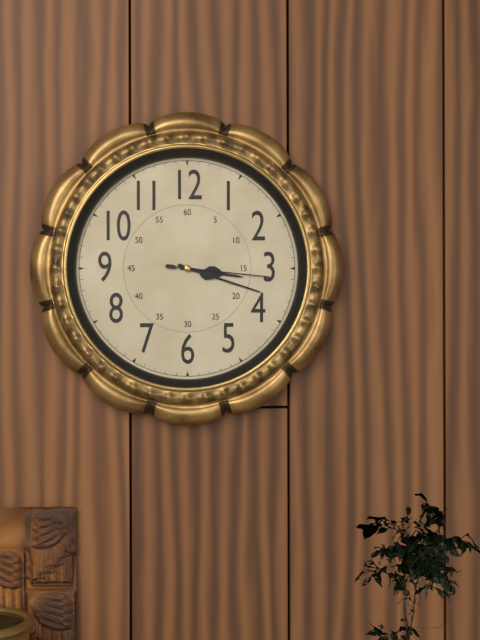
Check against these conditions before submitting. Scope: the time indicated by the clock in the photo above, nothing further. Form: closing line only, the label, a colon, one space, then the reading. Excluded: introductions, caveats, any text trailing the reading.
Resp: 3:18:16
